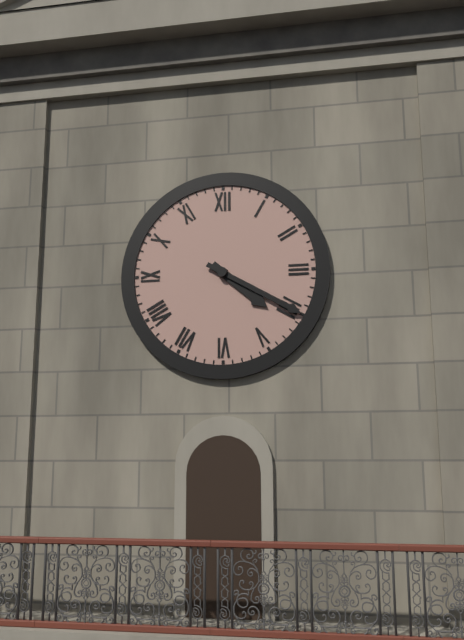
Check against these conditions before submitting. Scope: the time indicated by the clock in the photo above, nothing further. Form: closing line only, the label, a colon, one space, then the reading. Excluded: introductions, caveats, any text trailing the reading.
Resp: 4:20
